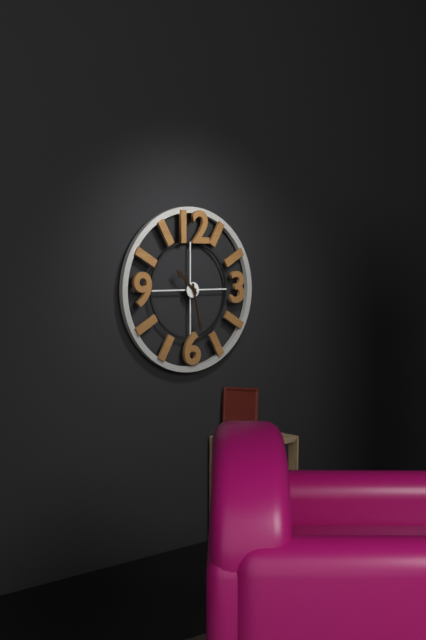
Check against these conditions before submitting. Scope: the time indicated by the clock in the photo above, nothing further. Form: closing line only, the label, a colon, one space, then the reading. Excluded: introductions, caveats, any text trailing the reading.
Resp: 10:28
